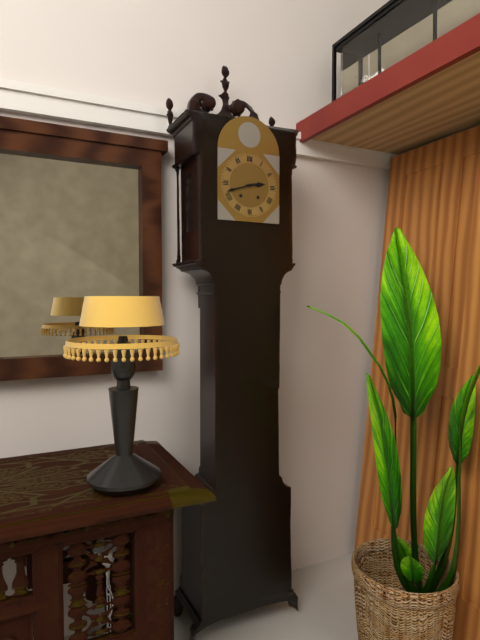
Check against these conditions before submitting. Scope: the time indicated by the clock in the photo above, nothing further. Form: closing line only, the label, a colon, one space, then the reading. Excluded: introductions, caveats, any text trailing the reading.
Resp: 2:42
